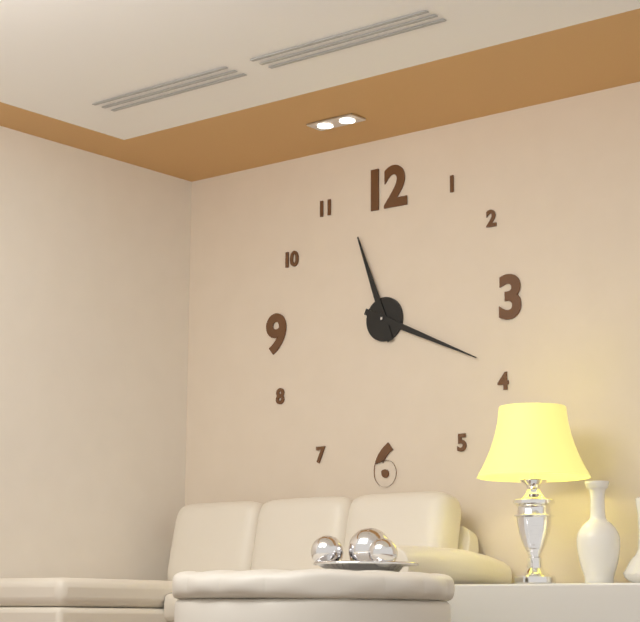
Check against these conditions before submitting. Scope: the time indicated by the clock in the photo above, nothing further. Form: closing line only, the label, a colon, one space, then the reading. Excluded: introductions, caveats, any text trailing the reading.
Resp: 11:19
